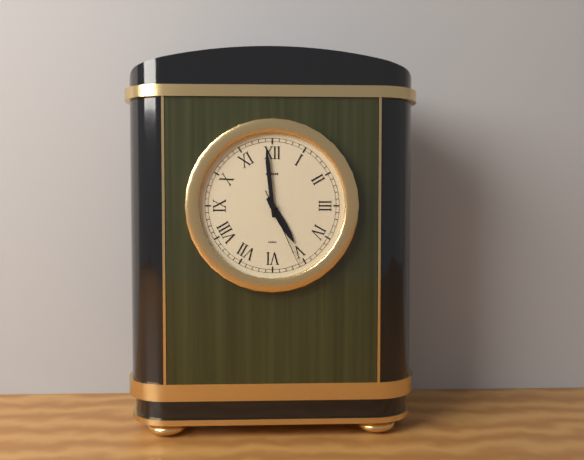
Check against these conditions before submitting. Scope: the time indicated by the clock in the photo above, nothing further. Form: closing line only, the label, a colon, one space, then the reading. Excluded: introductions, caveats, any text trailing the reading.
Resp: 4:59:26
